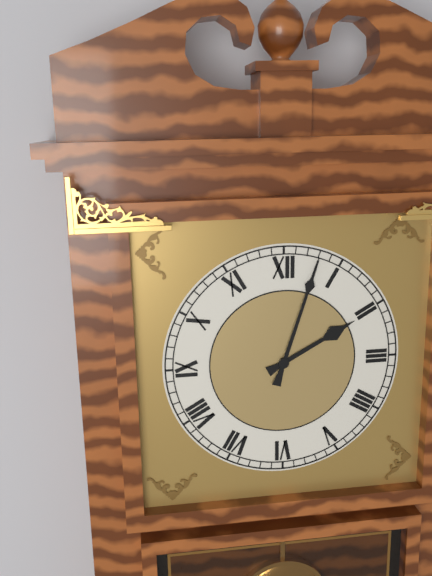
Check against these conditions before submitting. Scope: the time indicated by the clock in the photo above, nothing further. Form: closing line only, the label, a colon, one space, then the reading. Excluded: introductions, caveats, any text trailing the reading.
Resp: 2:03
